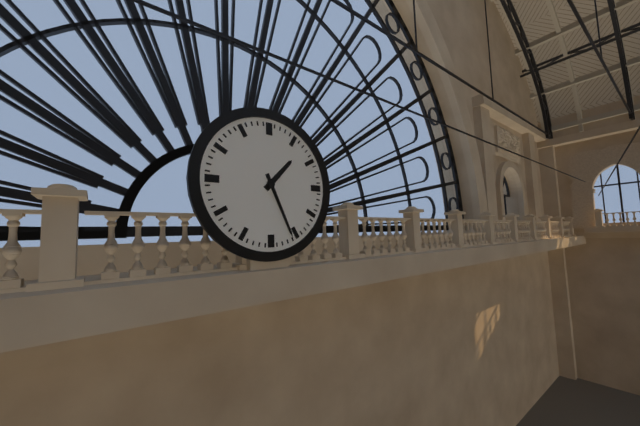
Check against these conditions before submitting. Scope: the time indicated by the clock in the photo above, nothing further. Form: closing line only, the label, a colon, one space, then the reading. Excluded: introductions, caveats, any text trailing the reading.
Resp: 1:26
